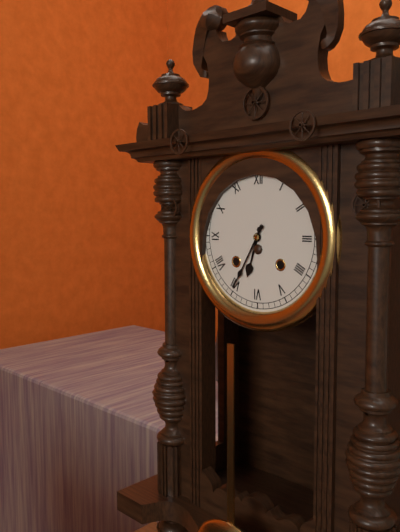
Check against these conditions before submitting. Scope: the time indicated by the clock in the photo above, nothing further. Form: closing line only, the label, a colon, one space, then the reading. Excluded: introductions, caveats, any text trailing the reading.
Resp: 6:35
